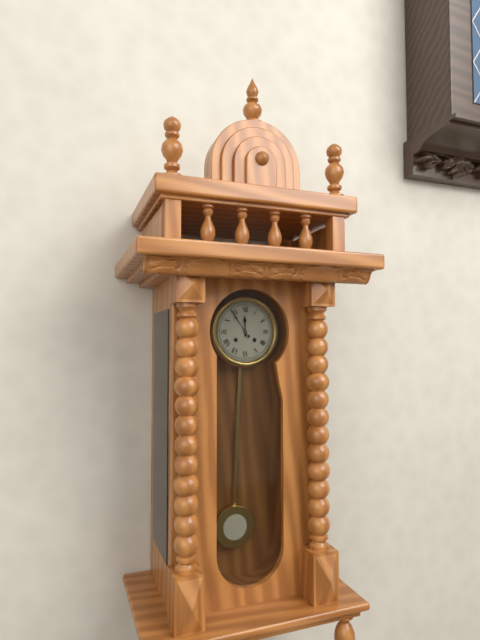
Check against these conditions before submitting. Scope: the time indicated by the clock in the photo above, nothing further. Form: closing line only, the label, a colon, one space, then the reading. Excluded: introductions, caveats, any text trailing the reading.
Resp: 11:54
